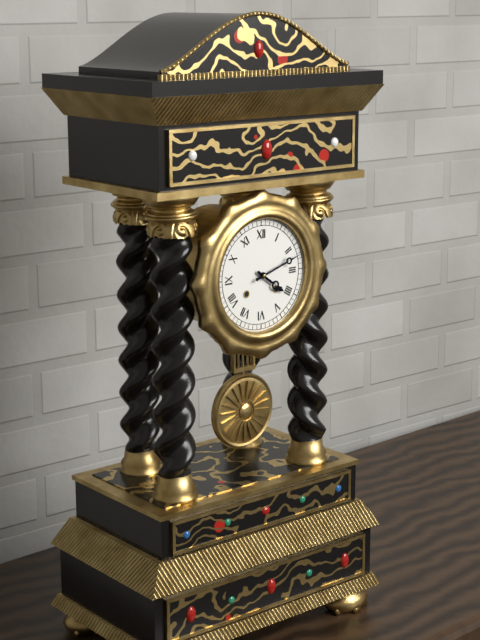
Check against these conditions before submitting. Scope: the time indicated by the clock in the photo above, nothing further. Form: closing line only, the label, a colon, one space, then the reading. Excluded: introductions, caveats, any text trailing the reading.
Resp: 4:12
